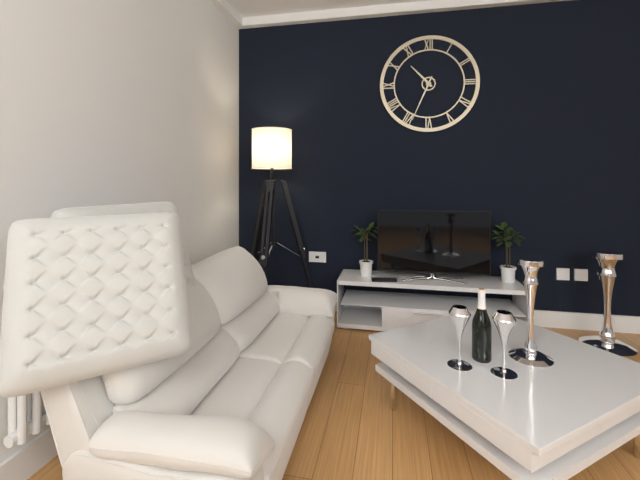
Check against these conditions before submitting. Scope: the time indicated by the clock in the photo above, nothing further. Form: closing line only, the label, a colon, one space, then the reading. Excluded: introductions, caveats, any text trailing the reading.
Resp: 10:34
